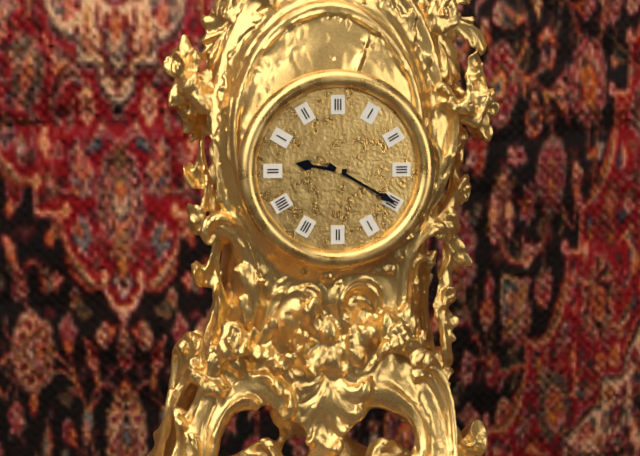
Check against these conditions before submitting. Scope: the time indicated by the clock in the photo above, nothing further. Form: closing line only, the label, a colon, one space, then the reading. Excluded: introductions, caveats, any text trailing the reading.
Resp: 9:20
